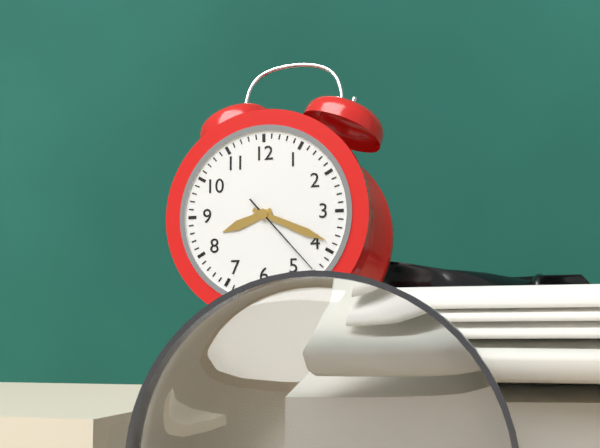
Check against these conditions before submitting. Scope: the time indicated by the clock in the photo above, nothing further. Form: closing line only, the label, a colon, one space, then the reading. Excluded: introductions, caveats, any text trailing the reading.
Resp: 8:19:23
